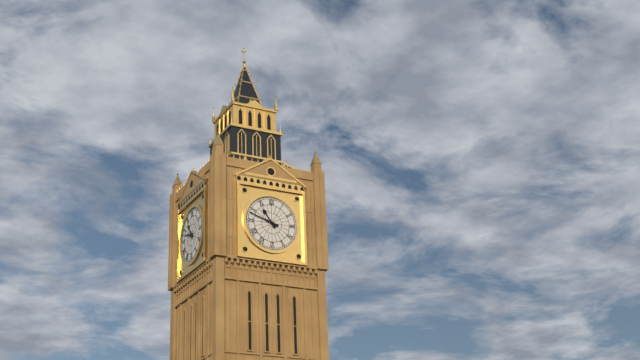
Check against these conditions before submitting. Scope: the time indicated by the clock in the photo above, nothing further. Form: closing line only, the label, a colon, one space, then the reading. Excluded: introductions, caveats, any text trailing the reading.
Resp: 10:48
